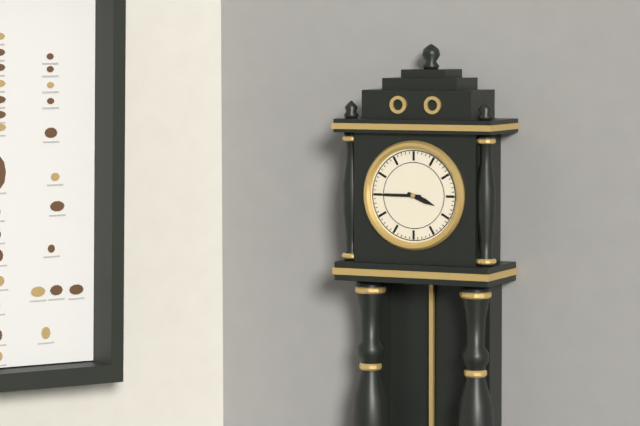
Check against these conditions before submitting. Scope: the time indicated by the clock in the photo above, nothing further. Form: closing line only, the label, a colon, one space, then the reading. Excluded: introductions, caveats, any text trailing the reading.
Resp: 3:45
